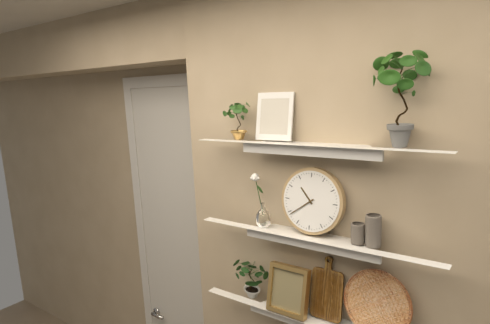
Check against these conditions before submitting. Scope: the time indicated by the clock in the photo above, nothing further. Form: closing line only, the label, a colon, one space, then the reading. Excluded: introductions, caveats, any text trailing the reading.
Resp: 10:39
